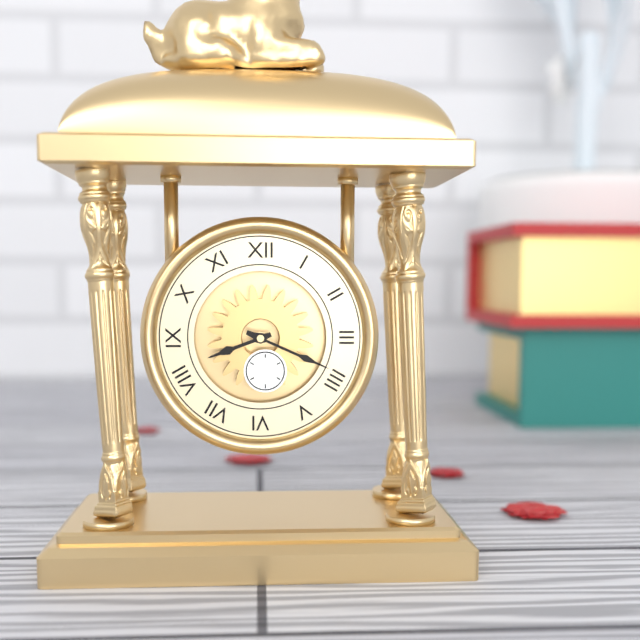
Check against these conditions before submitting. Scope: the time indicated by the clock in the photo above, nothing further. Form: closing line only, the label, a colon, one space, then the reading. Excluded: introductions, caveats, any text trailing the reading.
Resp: 8:19
